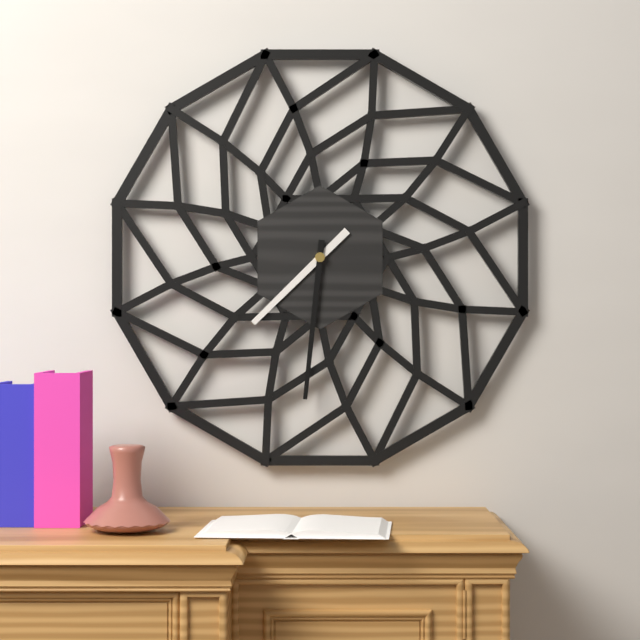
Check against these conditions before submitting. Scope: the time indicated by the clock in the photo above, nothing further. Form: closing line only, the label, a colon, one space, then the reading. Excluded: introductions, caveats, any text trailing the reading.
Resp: 7:31
